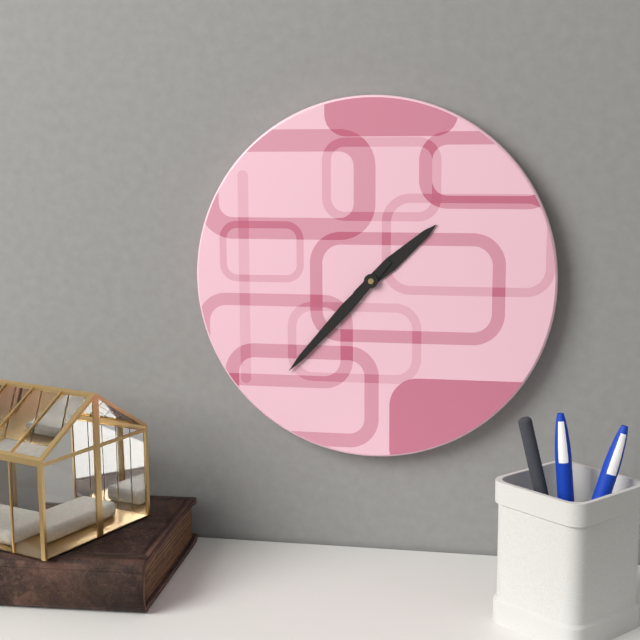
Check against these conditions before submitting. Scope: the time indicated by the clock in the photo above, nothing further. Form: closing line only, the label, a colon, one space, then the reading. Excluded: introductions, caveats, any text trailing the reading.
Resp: 1:37
